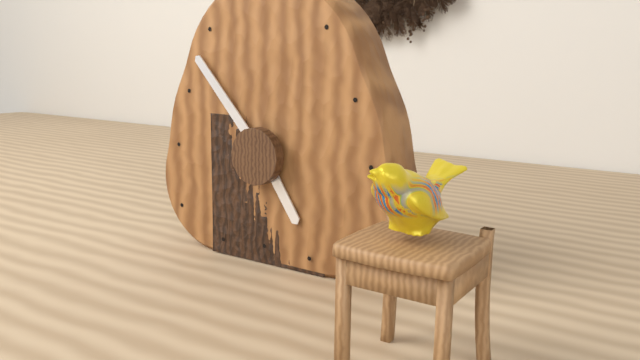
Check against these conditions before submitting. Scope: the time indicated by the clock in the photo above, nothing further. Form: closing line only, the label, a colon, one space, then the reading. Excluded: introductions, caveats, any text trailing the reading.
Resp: 4:53
